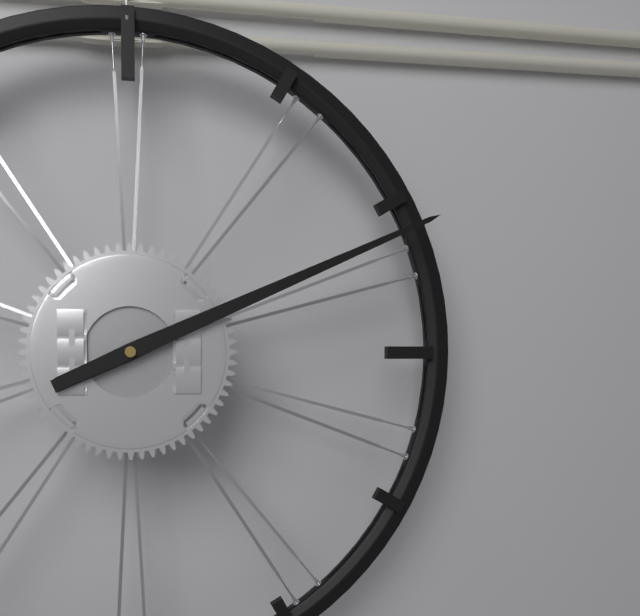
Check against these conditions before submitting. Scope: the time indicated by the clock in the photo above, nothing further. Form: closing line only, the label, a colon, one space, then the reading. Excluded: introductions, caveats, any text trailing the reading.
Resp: 2:11
